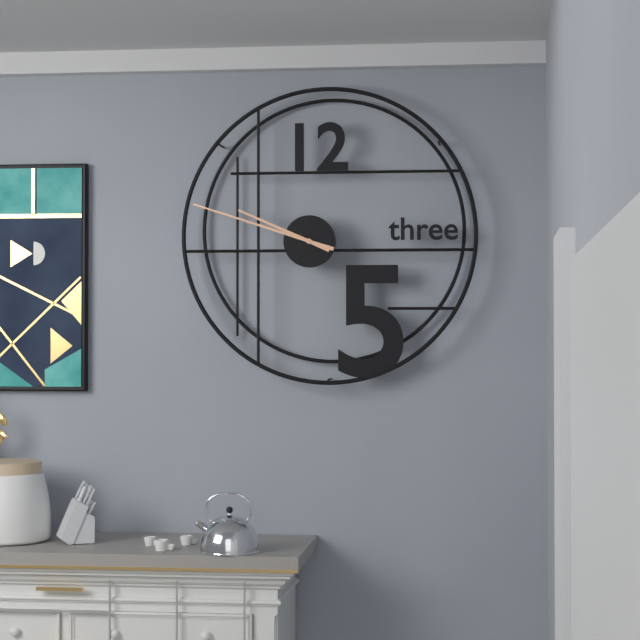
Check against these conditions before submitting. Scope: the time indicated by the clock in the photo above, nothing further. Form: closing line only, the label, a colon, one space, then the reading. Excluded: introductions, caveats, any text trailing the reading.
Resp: 9:48
